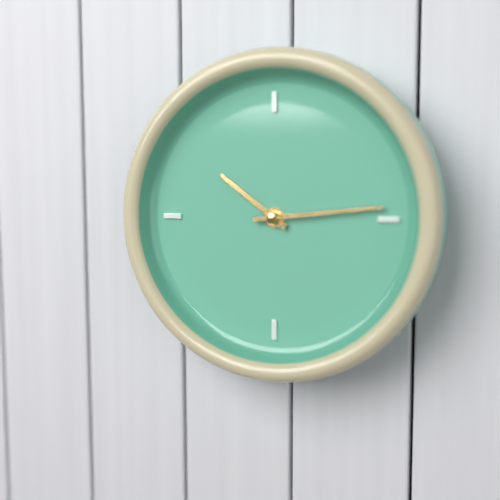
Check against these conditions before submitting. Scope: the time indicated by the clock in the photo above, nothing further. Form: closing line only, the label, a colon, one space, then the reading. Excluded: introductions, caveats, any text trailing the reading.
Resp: 10:14
